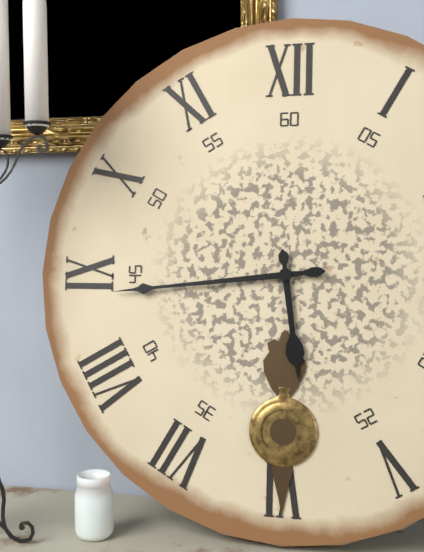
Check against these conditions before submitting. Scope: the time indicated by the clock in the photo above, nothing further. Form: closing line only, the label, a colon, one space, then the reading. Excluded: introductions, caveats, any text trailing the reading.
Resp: 5:44
